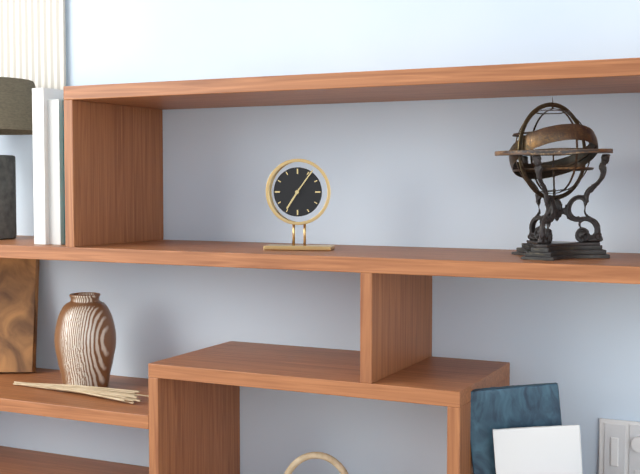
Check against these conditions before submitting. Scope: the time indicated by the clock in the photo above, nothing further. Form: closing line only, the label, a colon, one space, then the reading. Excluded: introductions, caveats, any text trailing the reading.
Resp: 7:06
